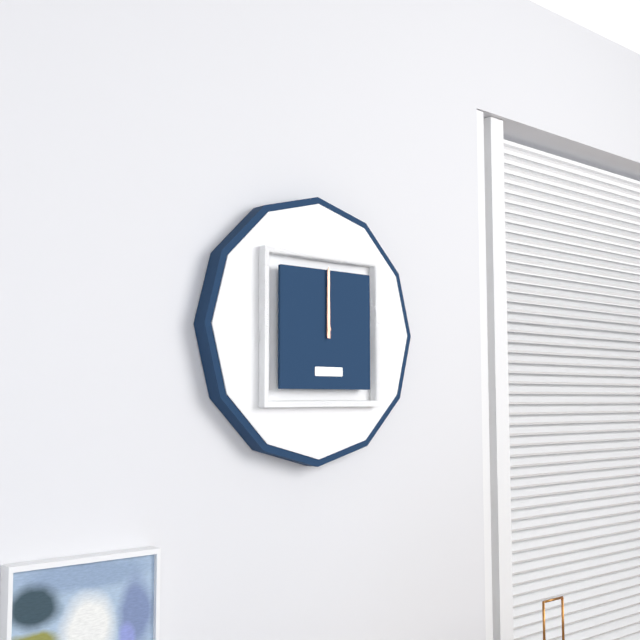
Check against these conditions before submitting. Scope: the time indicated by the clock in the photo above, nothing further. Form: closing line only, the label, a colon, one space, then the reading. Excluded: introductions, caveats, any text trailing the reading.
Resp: 12:00
